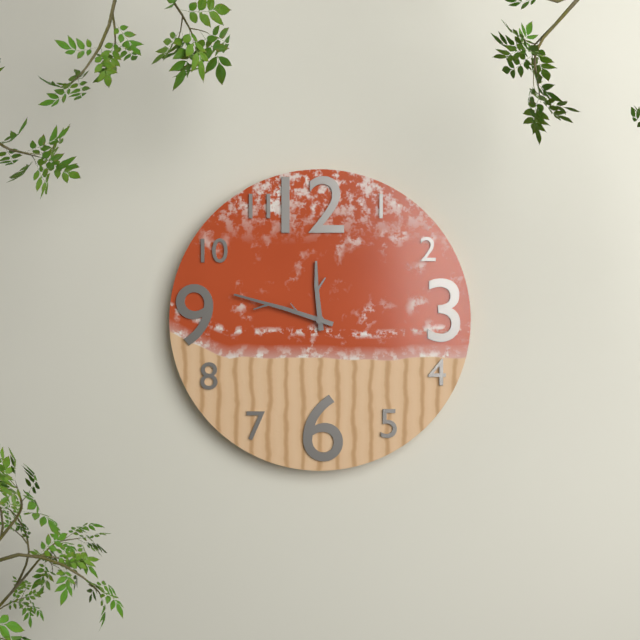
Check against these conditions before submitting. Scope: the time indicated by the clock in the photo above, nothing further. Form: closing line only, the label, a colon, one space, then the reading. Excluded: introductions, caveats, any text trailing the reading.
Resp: 11:48
